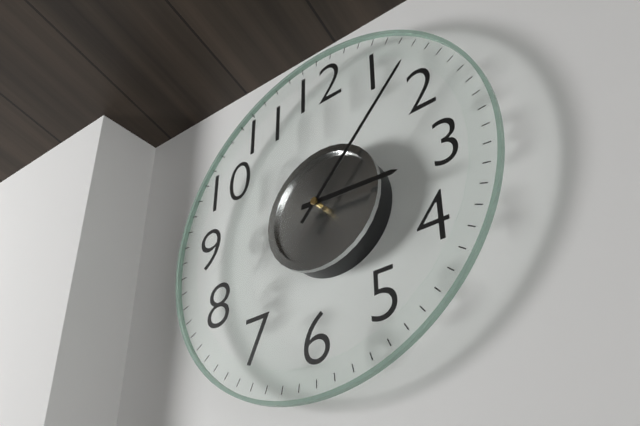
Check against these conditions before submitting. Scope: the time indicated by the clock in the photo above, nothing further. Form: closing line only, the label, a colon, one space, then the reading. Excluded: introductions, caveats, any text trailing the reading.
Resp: 3:07
